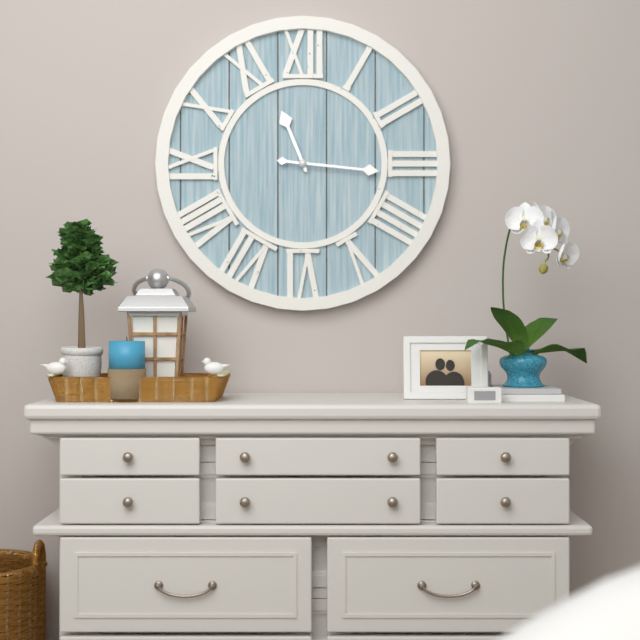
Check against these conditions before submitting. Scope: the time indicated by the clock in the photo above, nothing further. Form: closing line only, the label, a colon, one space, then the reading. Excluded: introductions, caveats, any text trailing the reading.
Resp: 11:16
